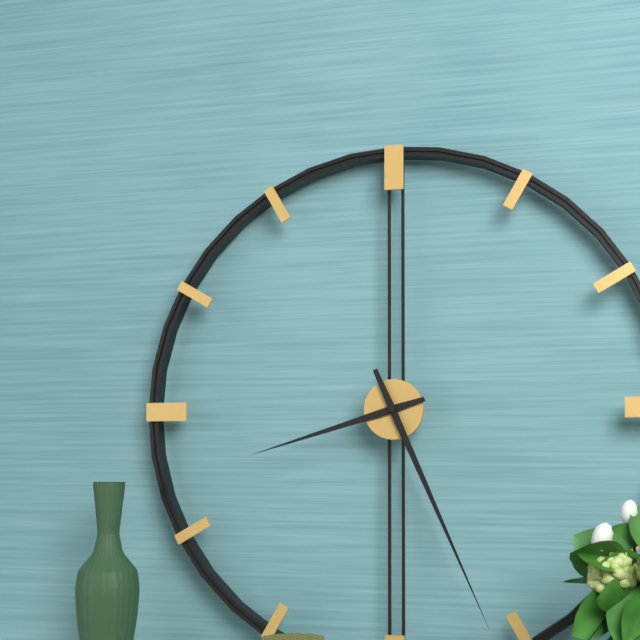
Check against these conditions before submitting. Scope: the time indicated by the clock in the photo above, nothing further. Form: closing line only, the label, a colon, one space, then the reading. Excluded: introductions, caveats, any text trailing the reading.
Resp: 8:26
